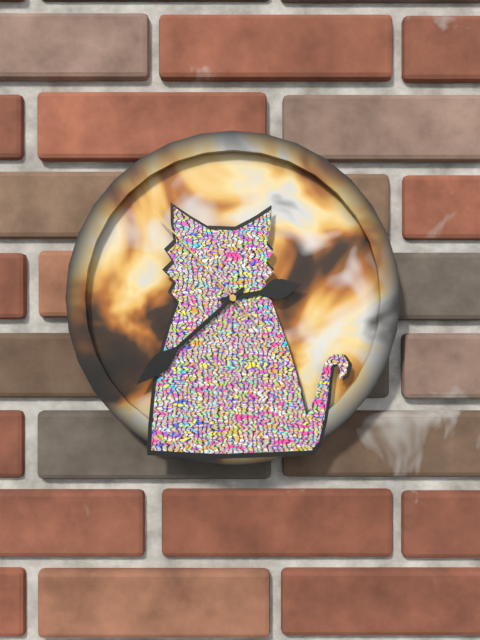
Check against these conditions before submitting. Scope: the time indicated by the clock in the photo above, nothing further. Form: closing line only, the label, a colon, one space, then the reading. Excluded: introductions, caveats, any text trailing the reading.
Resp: 2:38:53
